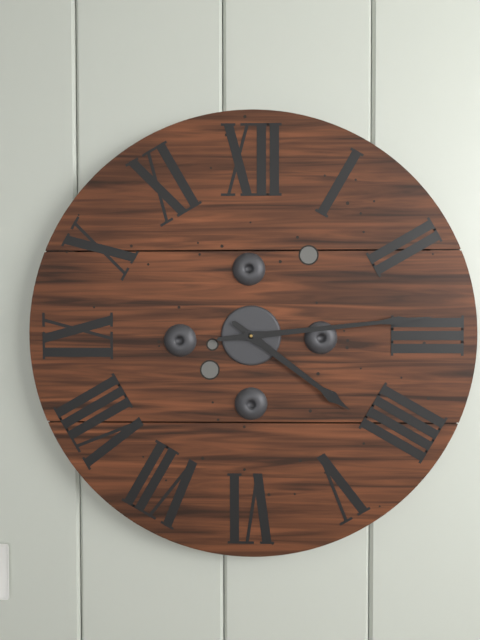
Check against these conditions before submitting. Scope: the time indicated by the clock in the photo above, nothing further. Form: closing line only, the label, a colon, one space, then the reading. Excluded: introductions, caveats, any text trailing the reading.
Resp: 4:14
